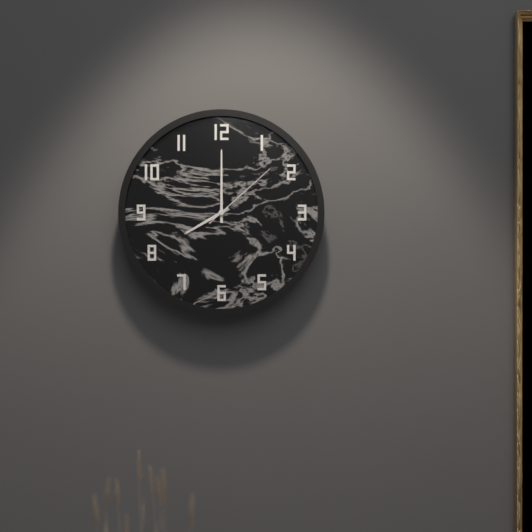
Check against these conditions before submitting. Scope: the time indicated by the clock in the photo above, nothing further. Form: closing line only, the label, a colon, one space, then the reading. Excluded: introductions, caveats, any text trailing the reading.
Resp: 8:00:08
